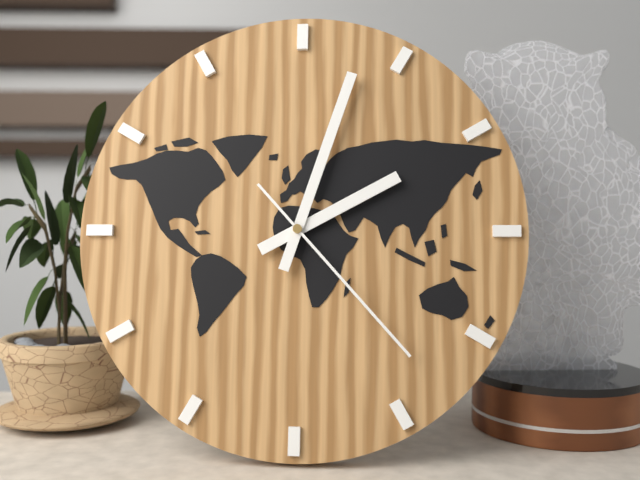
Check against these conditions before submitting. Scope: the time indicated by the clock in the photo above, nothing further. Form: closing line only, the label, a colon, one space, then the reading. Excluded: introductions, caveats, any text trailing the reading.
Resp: 2:03:23
